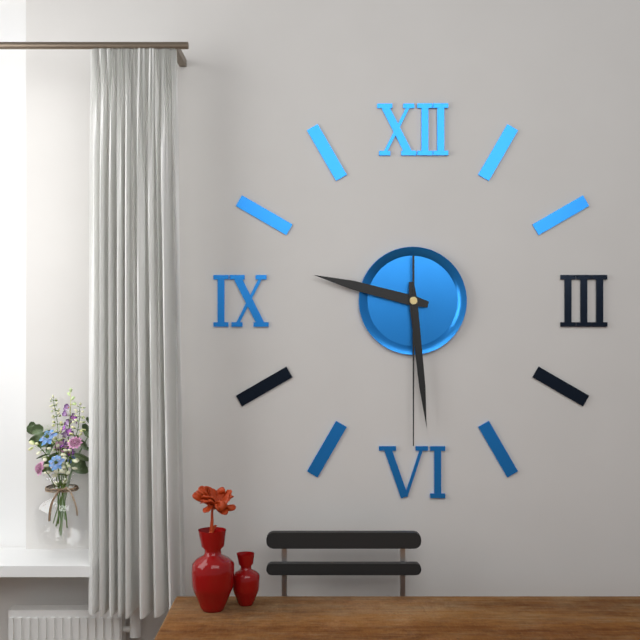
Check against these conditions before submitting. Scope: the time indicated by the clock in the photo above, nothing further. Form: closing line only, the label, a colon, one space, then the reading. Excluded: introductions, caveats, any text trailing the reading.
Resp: 9:29:30
